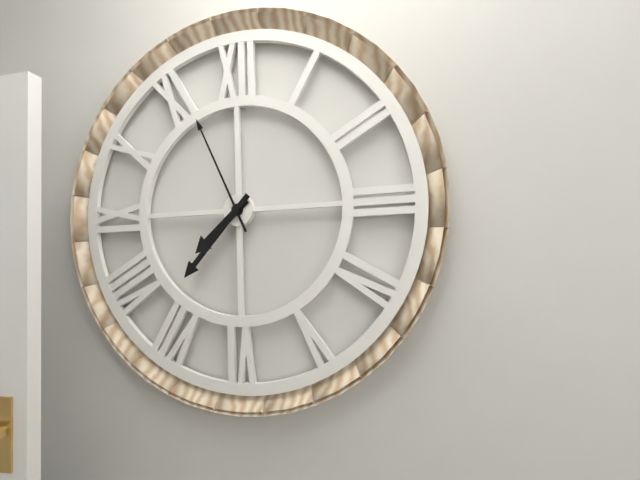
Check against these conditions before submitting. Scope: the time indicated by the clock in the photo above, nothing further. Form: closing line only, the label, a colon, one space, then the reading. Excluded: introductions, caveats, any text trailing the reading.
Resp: 7:37:56
